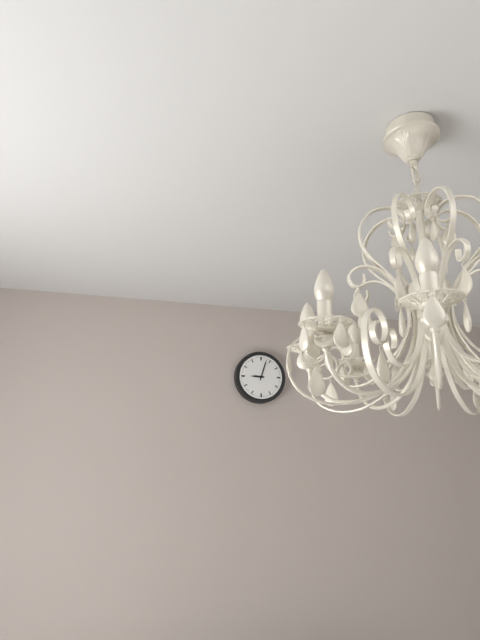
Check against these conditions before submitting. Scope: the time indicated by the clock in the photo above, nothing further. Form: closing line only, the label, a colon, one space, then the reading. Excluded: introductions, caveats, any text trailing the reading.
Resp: 9:03
